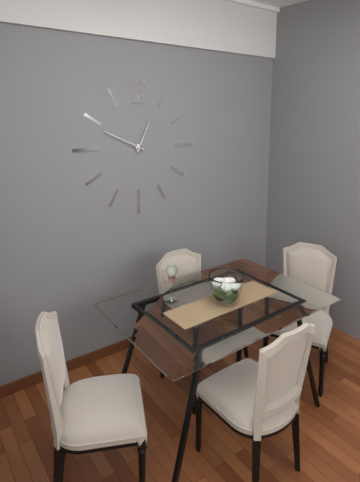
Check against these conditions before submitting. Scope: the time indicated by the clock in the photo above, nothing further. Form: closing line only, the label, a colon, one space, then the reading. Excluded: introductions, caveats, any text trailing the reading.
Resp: 12:49
